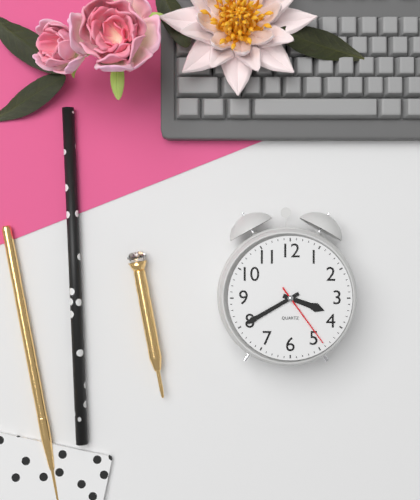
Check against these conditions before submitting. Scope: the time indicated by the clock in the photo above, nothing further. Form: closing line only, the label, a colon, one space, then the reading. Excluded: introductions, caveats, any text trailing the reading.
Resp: 3:40:24
